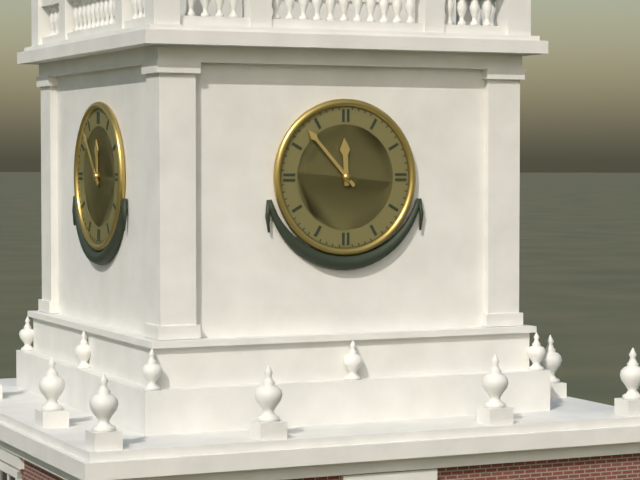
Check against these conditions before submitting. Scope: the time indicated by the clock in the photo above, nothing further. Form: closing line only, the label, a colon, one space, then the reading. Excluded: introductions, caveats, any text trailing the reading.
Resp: 11:53
